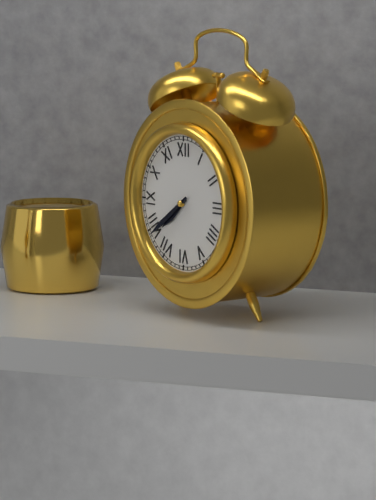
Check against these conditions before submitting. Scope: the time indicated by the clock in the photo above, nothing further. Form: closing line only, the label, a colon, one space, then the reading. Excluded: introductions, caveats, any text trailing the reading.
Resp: 7:39
